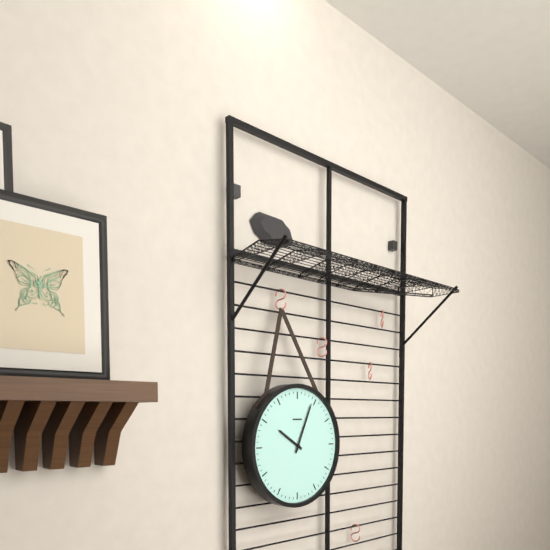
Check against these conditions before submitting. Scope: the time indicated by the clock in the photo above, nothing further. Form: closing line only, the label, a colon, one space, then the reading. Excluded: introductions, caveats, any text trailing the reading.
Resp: 10:04
